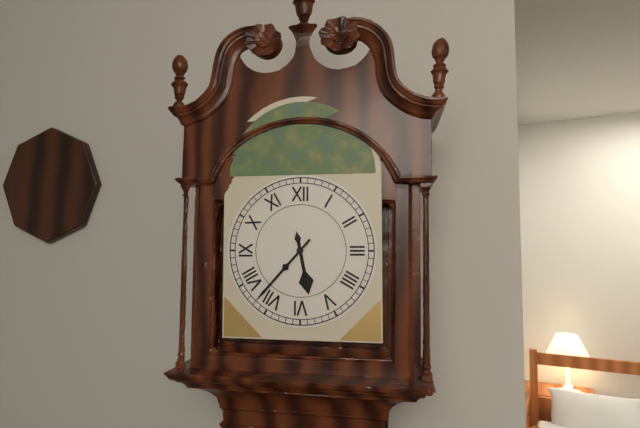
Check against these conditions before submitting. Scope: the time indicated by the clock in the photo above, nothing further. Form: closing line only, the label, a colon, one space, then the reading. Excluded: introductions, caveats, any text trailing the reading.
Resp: 5:37
